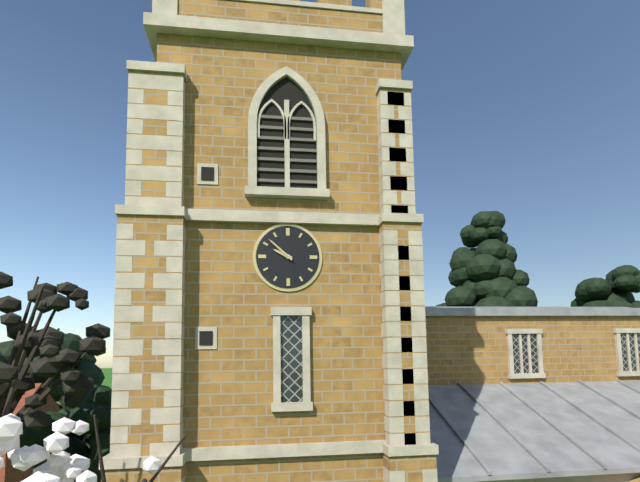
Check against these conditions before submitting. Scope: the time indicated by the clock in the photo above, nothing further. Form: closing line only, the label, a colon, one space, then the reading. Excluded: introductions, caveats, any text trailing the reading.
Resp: 9:52
